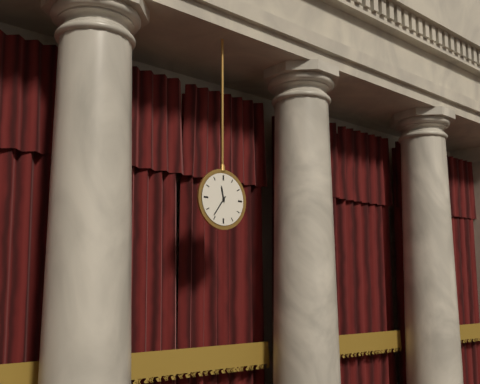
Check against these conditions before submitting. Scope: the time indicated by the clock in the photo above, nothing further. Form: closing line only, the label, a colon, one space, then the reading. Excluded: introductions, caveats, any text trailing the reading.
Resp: 11:36
